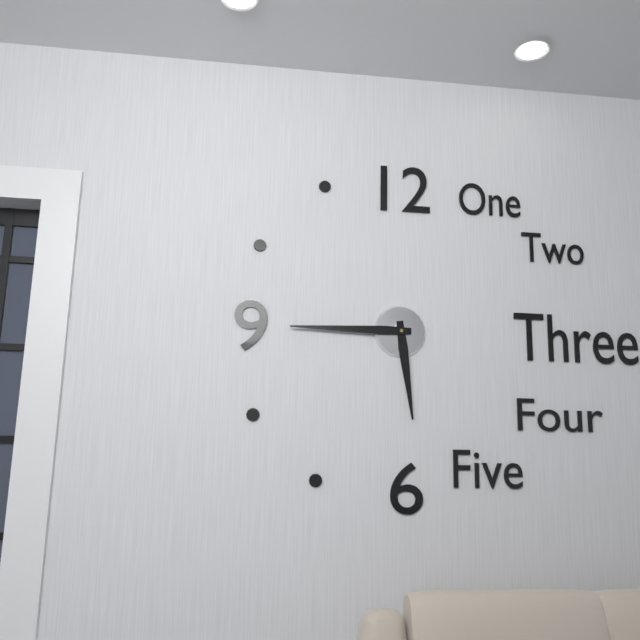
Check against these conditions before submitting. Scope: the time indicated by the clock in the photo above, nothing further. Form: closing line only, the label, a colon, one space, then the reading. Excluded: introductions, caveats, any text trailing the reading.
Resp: 5:45
